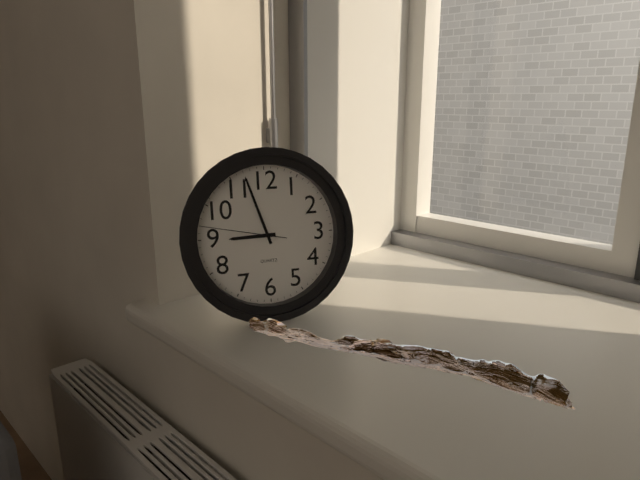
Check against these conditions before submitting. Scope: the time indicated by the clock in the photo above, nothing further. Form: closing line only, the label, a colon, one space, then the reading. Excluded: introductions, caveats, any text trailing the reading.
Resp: 8:57:47
